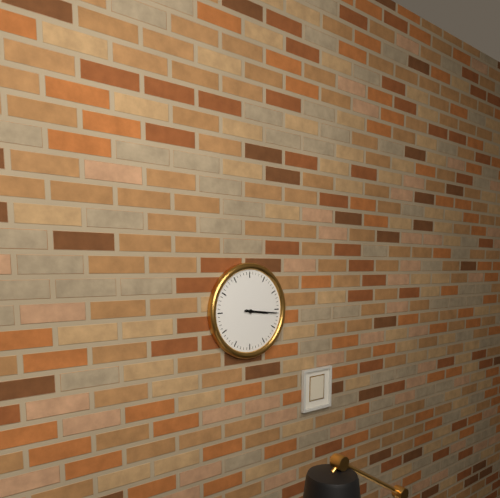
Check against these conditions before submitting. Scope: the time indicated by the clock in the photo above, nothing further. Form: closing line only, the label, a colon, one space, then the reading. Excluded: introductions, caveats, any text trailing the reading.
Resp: 3:16
